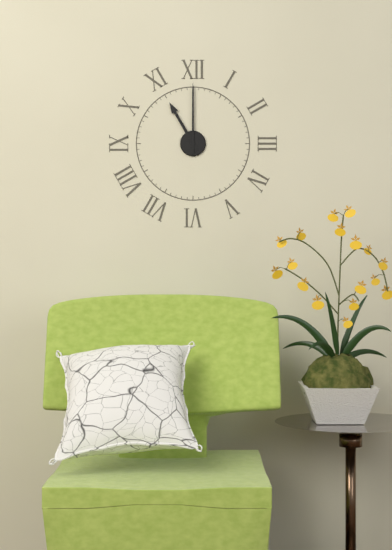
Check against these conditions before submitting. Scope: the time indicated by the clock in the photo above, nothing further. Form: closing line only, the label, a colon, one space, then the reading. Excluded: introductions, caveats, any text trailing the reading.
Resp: 11:00
